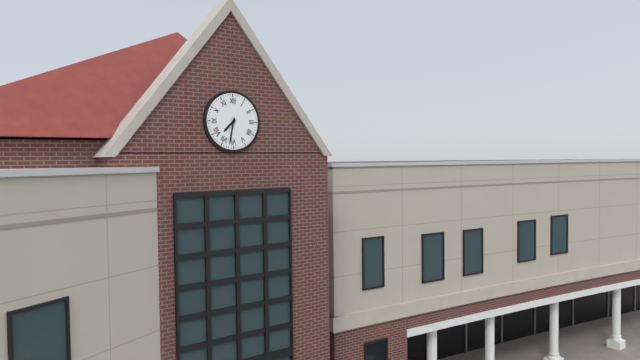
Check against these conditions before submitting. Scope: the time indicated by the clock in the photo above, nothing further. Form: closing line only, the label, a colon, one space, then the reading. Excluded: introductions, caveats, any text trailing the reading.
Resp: 7:32
